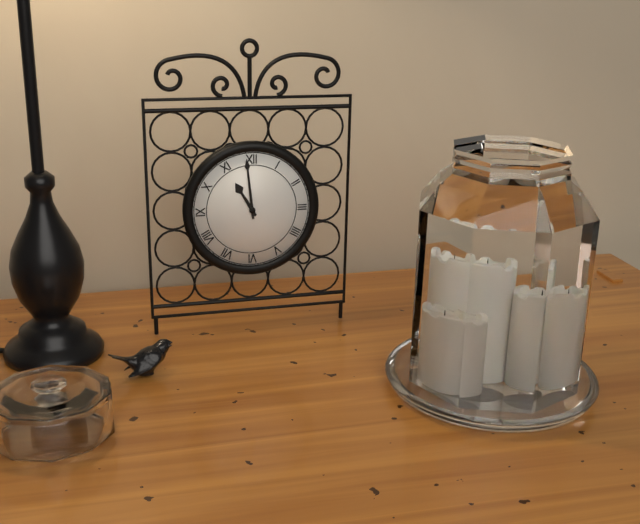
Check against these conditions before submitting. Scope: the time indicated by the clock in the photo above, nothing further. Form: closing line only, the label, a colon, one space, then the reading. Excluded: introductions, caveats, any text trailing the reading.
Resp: 10:59
